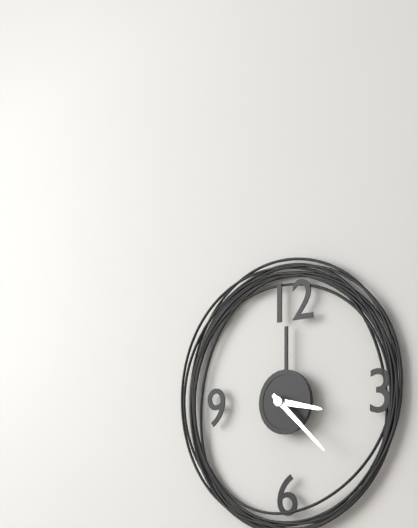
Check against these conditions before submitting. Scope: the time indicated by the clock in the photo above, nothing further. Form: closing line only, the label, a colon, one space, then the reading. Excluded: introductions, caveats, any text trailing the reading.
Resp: 3:22
